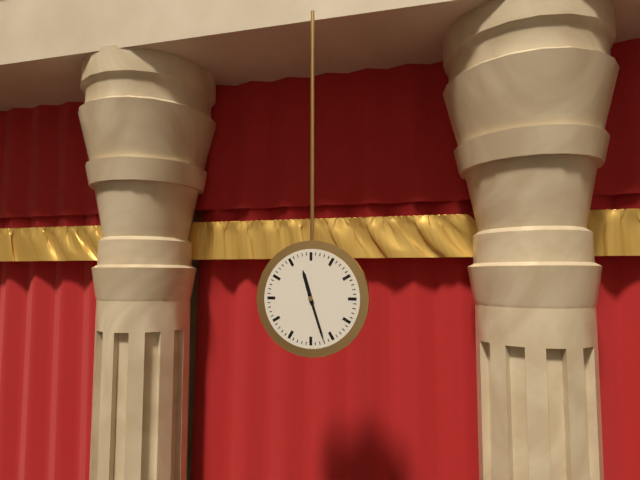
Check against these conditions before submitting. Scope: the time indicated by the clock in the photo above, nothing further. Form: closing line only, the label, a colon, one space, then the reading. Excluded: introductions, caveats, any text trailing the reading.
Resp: 11:27
